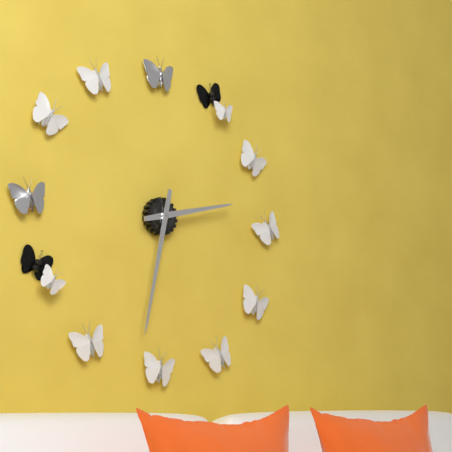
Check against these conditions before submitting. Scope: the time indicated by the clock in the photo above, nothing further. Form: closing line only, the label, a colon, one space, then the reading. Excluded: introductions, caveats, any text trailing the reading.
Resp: 2:32
